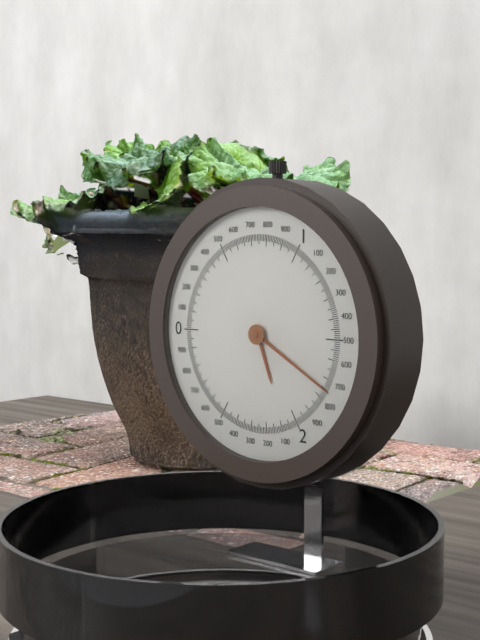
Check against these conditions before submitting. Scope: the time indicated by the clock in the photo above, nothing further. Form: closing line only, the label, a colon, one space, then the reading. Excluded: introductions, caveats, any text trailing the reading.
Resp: 5:20
